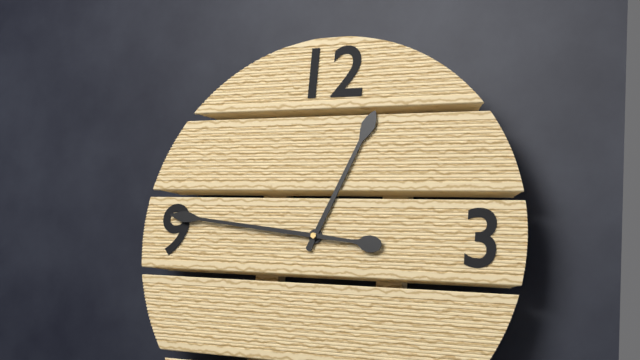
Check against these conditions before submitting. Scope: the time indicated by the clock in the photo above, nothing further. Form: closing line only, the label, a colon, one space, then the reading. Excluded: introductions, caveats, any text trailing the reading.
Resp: 12:46
